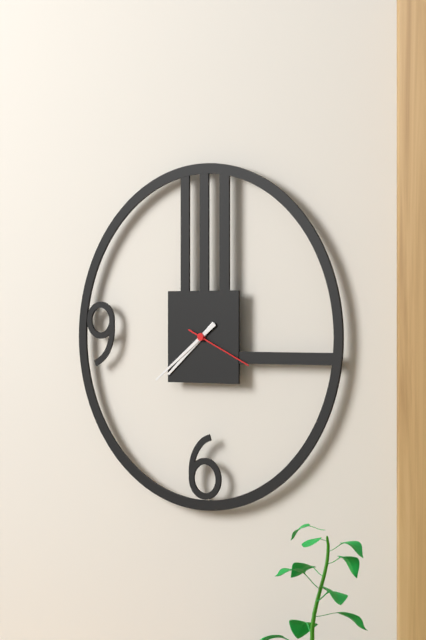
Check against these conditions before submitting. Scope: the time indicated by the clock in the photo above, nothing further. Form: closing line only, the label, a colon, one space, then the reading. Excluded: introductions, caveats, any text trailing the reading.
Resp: 7:39:19
